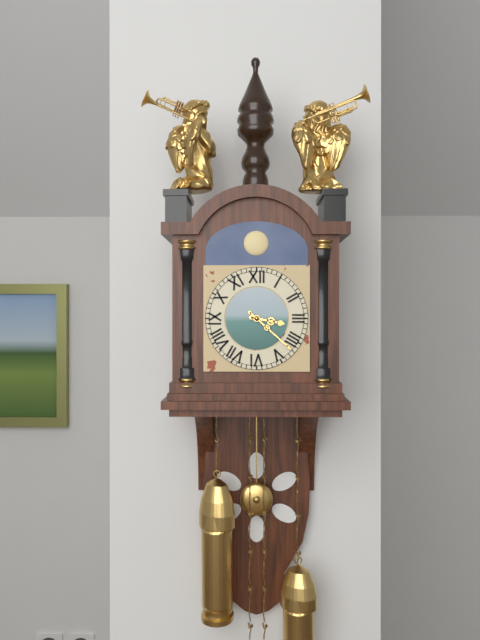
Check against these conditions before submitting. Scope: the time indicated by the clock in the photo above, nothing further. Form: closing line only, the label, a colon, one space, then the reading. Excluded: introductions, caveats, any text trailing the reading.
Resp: 3:22
